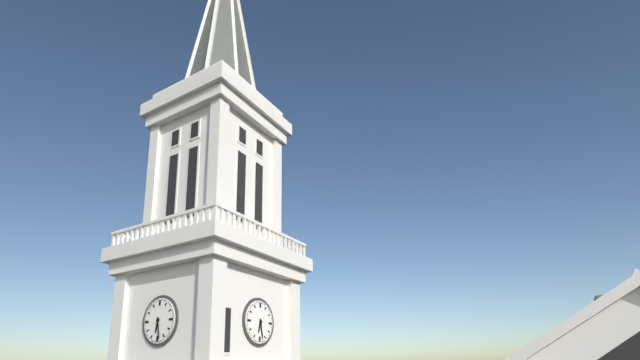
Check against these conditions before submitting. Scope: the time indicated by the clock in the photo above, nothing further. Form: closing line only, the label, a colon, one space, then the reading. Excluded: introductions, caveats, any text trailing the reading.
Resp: 6:28
